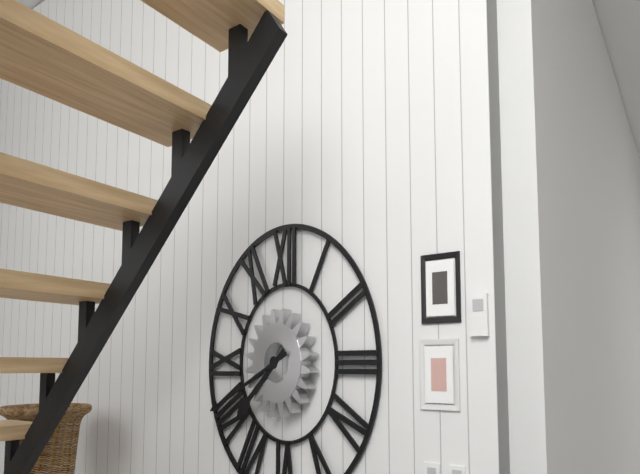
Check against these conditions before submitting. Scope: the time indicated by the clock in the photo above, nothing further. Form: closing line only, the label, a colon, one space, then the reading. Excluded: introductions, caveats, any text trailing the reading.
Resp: 7:41
